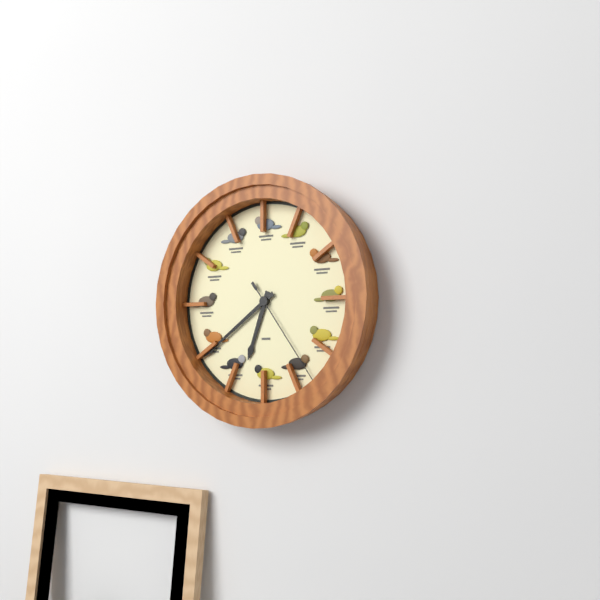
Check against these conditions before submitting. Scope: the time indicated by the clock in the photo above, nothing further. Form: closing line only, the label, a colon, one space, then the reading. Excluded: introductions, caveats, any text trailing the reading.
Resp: 6:39:24
